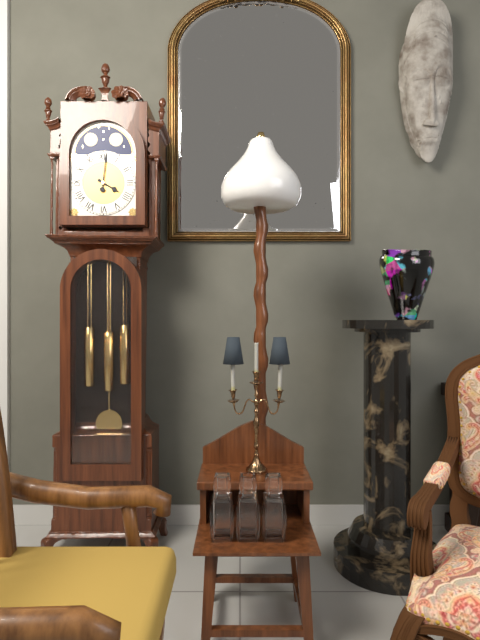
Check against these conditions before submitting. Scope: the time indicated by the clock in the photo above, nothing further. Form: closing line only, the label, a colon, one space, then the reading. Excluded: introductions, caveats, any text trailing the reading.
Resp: 4:01
